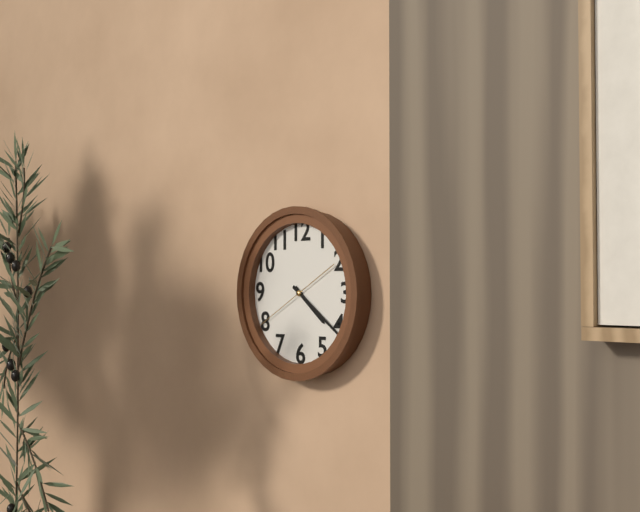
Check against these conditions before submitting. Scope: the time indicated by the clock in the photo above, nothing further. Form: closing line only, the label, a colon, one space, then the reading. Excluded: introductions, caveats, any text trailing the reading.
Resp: 4:21:40
